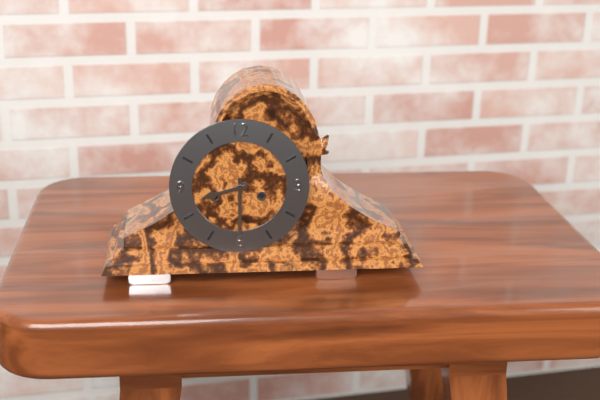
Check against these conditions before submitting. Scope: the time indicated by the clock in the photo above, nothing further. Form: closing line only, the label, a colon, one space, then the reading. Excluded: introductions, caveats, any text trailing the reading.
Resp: 8:30
